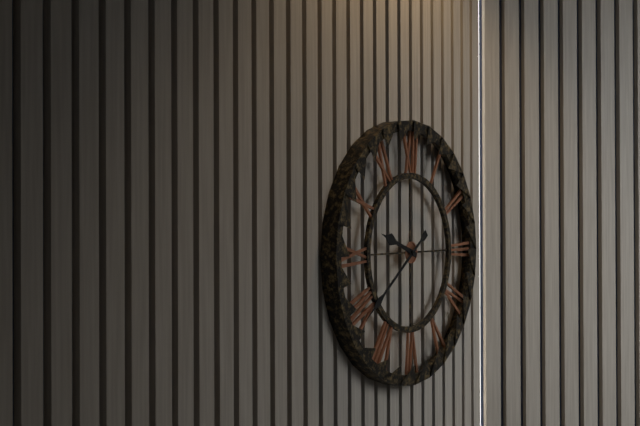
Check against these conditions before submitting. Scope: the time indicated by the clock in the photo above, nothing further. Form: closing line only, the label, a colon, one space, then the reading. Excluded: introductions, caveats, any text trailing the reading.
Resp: 9:39
